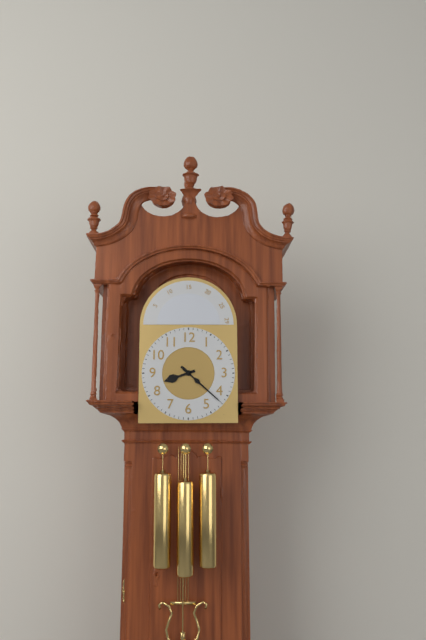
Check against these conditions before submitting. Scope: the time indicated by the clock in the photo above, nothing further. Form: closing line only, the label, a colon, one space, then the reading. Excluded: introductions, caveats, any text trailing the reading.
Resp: 8:22
